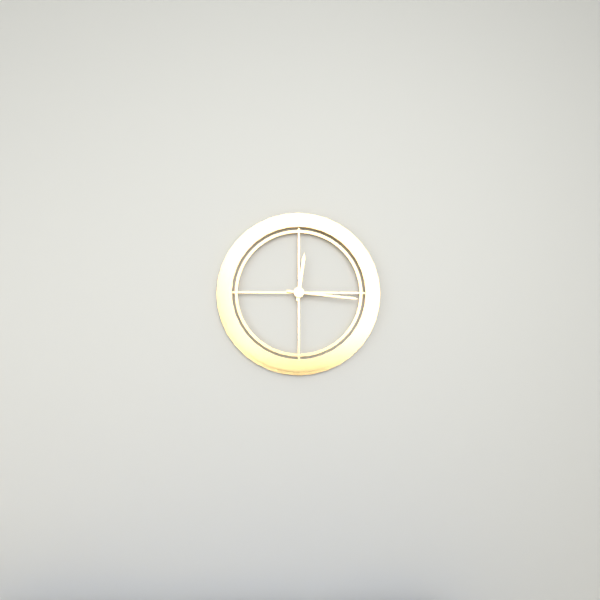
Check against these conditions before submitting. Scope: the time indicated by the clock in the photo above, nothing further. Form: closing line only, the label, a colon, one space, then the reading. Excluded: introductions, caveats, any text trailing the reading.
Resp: 12:16
